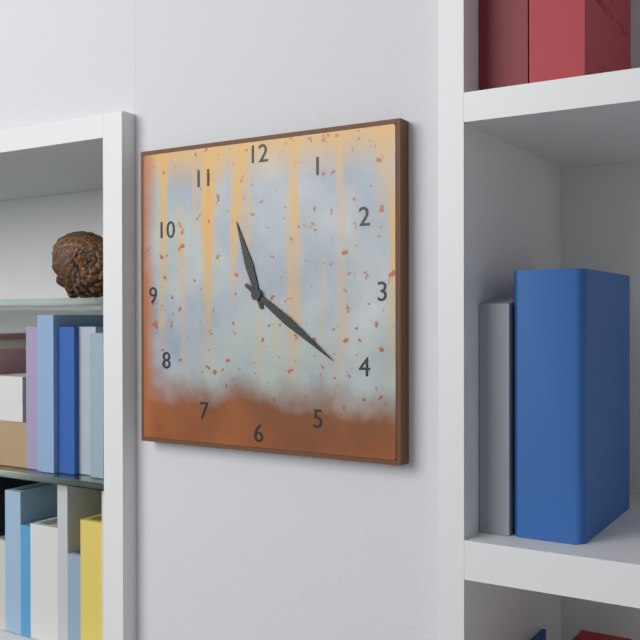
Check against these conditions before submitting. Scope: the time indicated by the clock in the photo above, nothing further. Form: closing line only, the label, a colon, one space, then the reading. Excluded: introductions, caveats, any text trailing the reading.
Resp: 11:21
